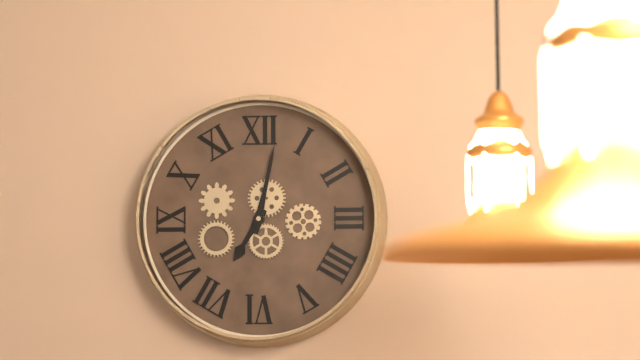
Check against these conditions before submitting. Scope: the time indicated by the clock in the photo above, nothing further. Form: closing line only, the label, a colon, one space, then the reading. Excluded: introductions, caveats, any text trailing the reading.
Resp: 7:02
